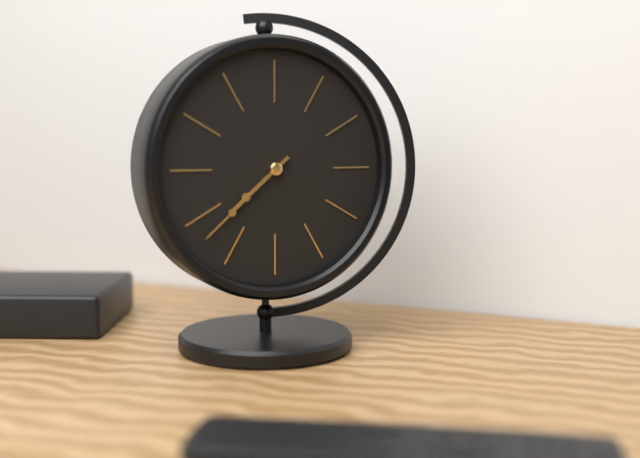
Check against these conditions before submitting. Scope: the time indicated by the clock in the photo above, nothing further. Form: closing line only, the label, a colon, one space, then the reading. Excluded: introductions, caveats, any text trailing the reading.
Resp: 7:38
